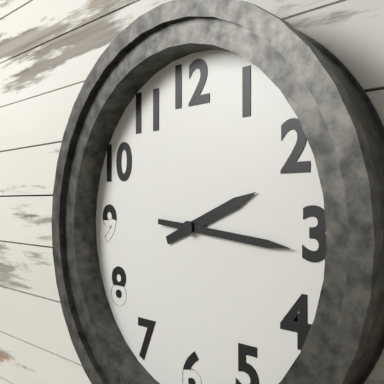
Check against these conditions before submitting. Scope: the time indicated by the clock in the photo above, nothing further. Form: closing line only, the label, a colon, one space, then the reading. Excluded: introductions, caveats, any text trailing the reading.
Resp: 2:16
